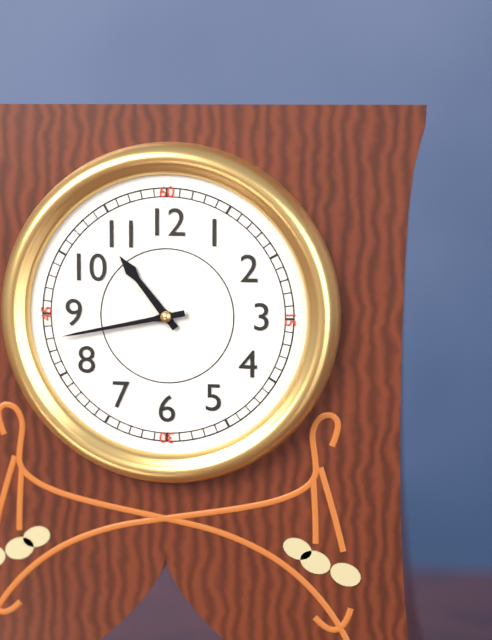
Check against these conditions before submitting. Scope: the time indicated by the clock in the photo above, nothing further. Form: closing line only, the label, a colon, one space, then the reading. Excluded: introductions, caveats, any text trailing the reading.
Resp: 10:43
